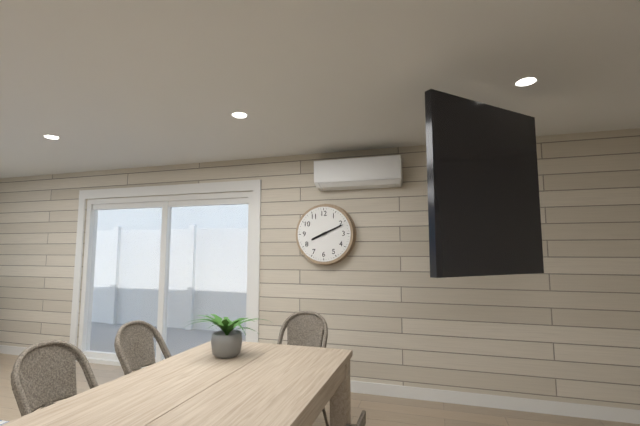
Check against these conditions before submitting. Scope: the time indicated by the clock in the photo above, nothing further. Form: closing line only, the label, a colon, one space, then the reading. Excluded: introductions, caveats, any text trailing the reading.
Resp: 8:11
